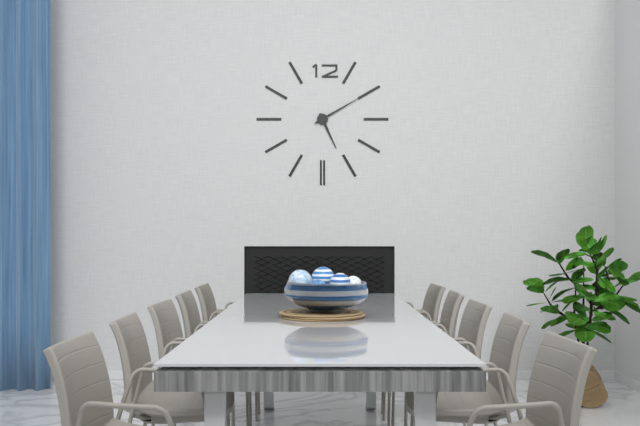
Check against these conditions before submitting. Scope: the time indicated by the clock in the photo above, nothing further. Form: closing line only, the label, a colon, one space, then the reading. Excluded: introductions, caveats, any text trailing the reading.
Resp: 5:10
